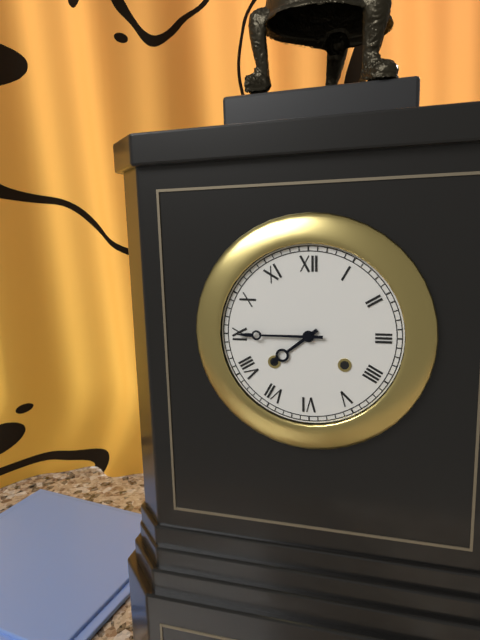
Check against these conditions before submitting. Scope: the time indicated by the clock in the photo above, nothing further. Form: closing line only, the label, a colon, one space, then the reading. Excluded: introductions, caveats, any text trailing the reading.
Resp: 7:45
